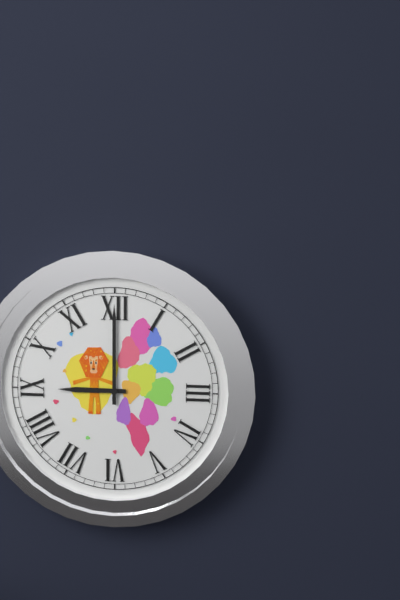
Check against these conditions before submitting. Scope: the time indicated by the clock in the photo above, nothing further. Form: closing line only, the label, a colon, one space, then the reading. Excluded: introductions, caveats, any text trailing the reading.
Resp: 9:00
